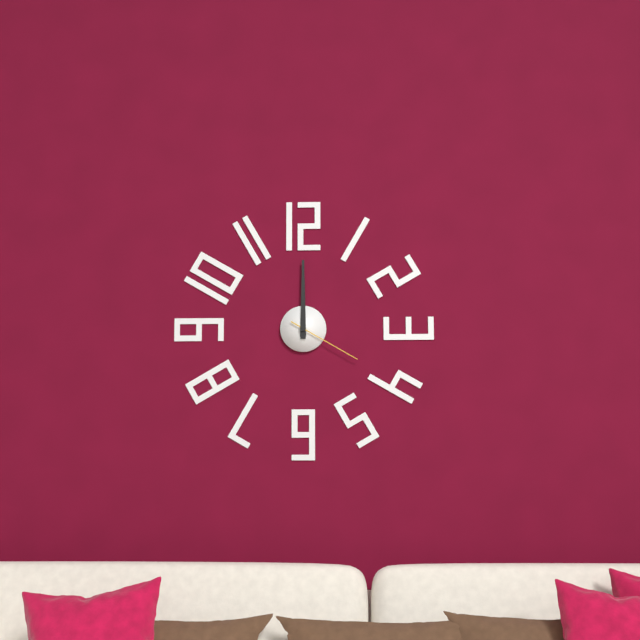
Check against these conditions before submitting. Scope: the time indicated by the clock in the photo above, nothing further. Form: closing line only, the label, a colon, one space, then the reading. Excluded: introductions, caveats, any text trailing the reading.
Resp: 12:00:20
